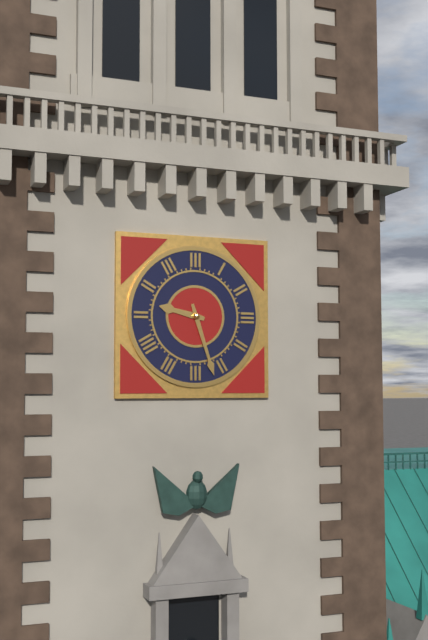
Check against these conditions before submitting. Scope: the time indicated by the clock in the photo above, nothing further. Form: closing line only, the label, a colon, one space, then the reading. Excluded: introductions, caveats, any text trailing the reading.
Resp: 9:27
